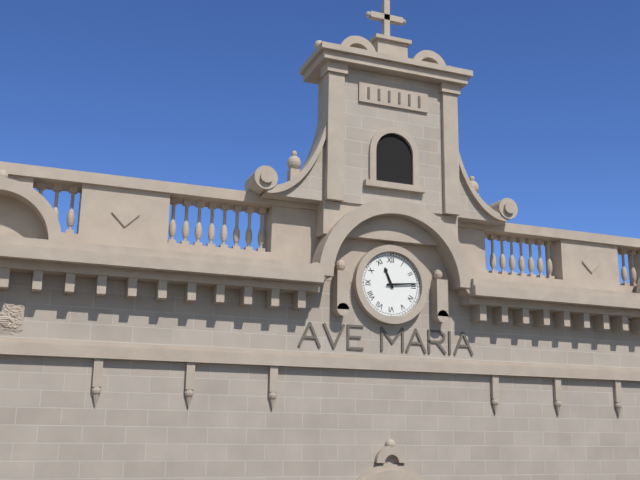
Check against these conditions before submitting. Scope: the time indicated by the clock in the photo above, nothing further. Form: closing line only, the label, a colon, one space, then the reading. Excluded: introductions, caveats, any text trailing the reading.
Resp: 11:14
